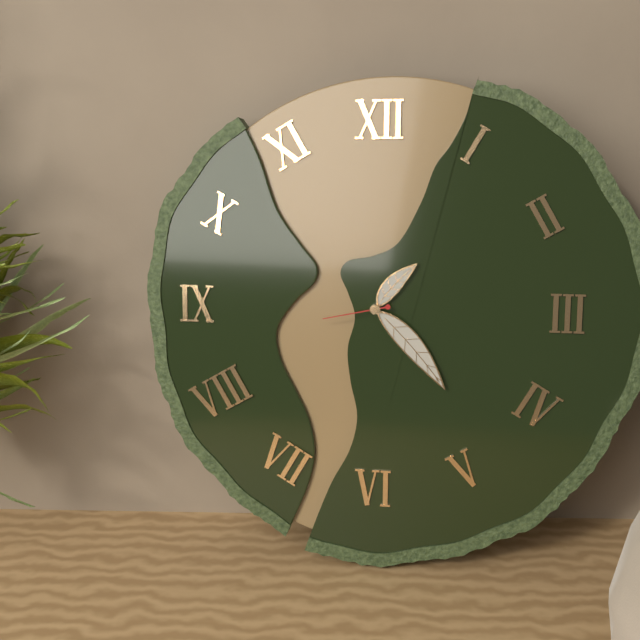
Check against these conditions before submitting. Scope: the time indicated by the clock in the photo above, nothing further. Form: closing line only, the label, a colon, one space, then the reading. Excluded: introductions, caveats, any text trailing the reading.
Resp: 1:23:43
